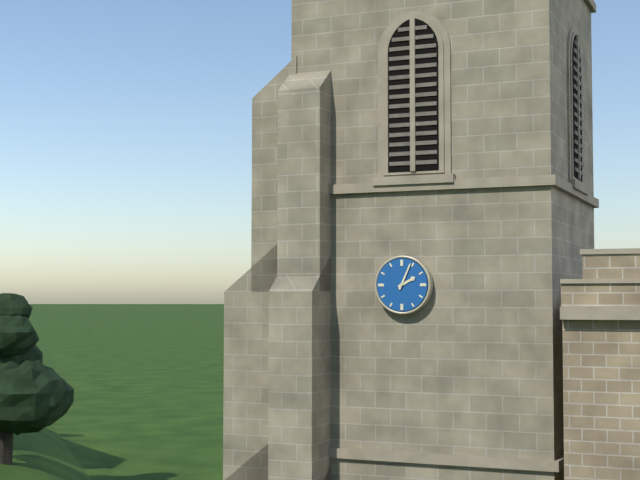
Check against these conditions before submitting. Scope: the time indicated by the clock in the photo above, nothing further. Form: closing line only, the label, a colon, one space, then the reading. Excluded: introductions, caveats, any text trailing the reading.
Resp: 2:04
